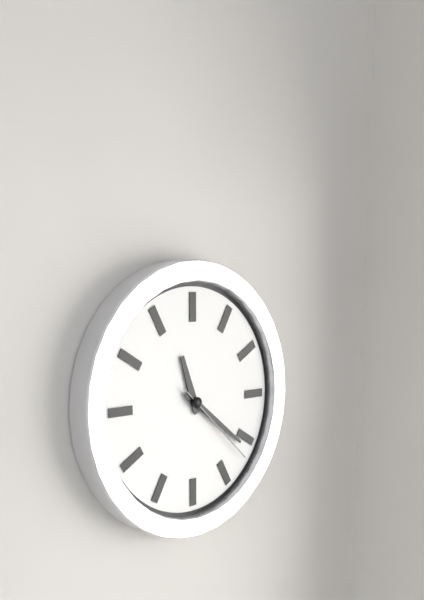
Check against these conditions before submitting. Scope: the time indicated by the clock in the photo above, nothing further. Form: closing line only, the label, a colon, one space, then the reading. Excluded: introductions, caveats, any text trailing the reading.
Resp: 11:21:22
